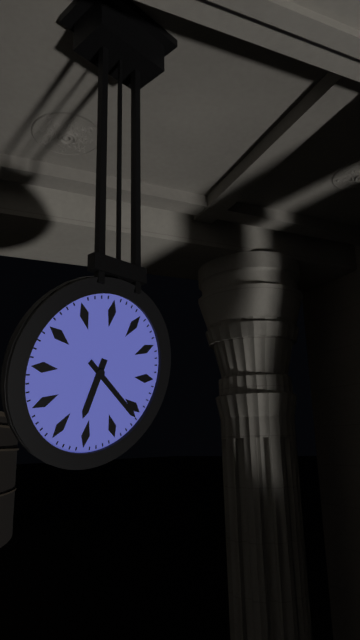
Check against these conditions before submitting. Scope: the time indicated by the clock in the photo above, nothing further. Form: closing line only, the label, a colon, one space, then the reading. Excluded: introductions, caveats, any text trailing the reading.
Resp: 6:21
